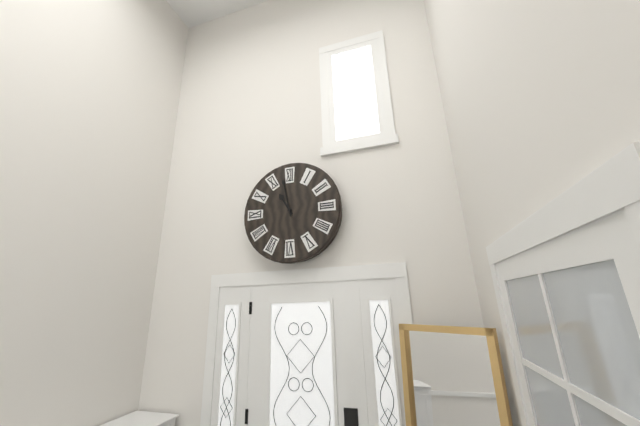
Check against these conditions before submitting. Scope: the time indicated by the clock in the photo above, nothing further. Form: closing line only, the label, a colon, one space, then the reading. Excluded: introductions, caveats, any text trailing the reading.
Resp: 10:58
